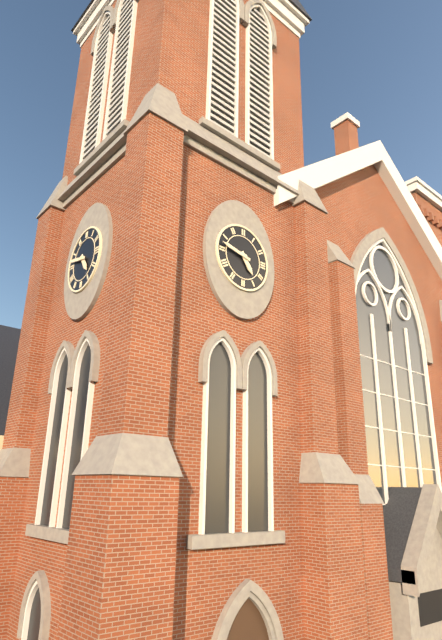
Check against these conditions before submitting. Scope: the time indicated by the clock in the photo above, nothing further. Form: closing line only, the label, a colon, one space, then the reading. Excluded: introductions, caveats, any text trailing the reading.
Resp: 4:47
